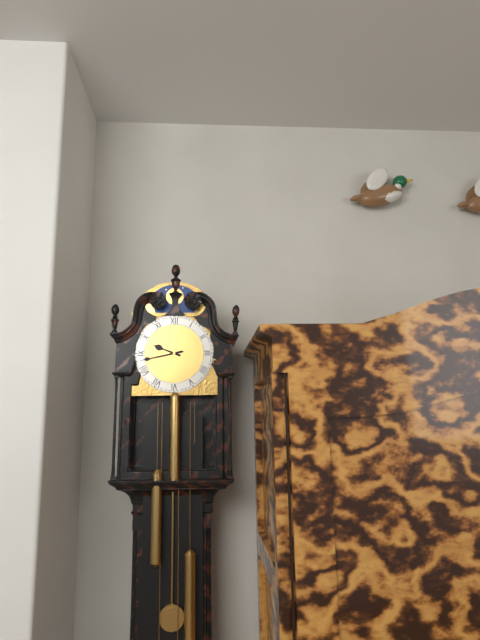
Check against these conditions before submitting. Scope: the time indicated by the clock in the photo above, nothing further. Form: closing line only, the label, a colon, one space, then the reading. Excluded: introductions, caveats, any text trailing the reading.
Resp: 9:43
